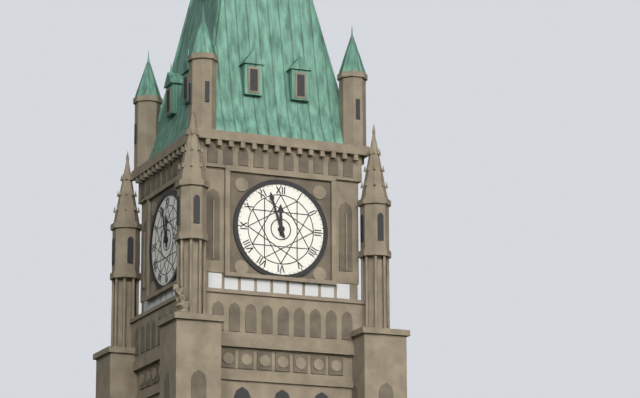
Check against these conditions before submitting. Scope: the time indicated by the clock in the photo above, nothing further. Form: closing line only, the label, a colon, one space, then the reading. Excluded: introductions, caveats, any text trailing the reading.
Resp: 11:57
